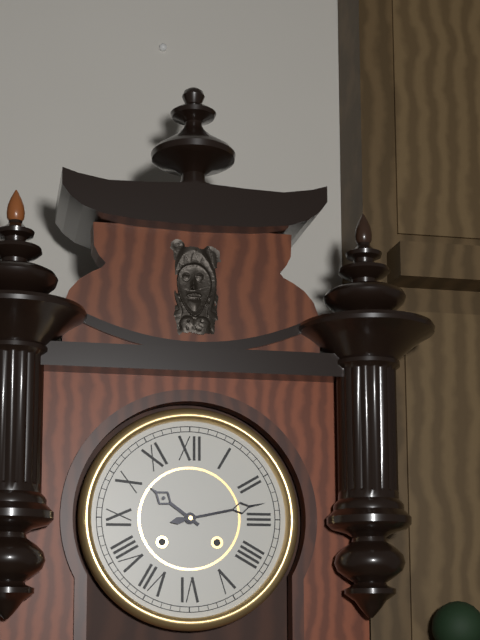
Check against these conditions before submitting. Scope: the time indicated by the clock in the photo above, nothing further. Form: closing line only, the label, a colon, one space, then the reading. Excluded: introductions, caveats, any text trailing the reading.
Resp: 10:13
